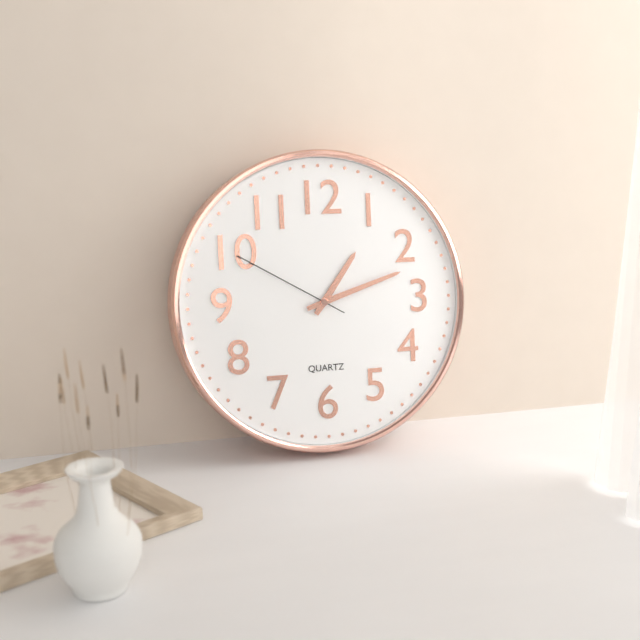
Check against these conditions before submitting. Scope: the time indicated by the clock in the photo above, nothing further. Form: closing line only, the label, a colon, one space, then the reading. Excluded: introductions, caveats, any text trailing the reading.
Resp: 1:12:50
